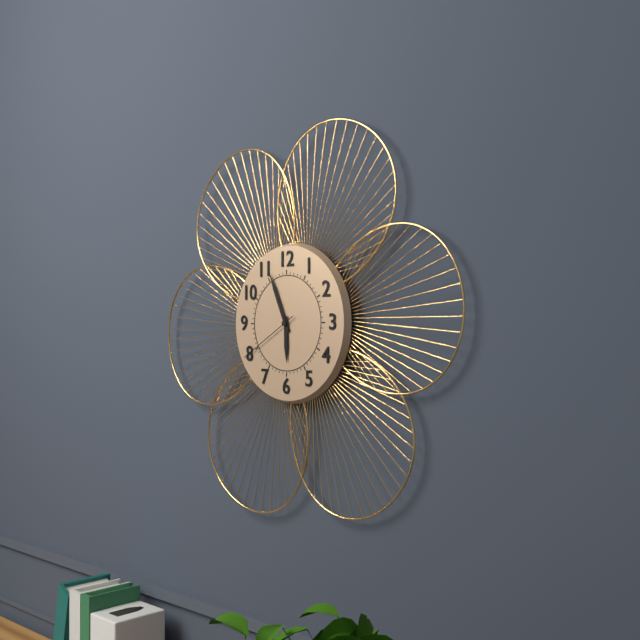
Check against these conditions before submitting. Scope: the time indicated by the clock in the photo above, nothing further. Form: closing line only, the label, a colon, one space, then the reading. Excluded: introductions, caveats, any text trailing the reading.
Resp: 5:56:40
